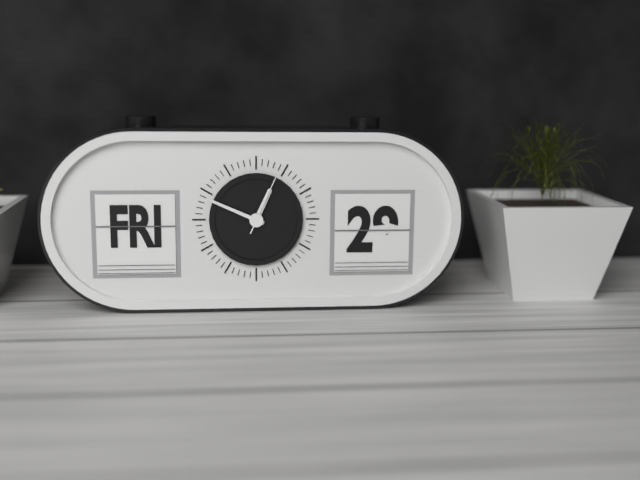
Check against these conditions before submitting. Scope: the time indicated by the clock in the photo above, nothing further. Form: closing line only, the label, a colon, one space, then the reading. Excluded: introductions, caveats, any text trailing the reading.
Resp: 12:49:04
